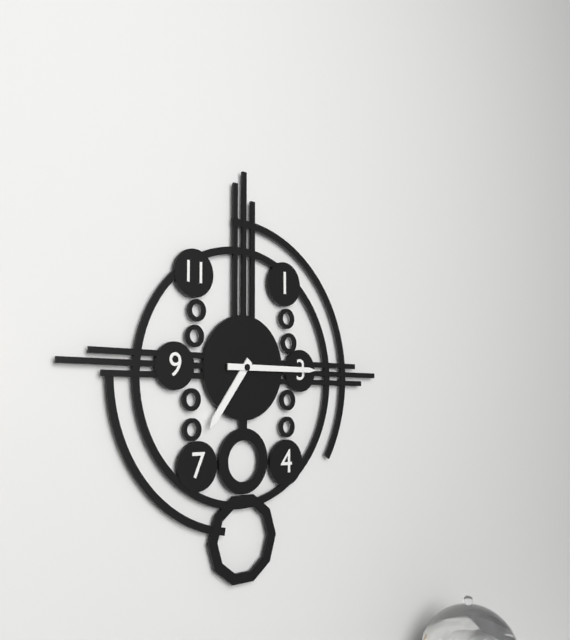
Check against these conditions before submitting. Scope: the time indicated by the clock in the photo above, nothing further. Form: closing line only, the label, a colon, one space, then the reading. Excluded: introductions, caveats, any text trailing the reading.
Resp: 7:15
